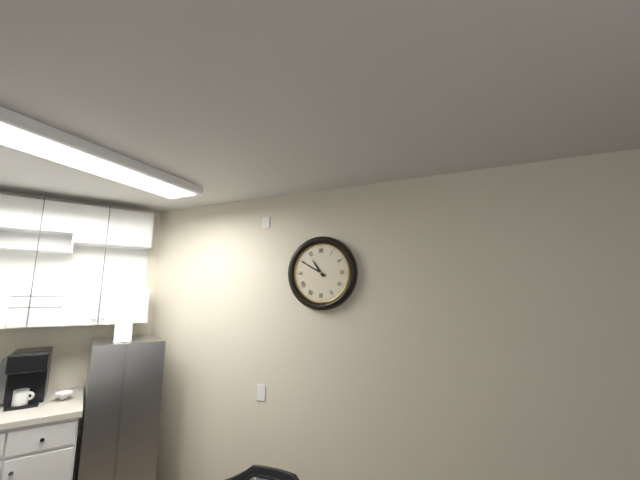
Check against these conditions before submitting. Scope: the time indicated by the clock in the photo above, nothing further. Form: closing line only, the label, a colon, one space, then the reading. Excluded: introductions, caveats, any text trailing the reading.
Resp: 10:50
